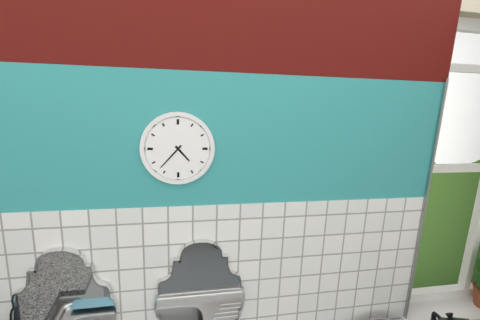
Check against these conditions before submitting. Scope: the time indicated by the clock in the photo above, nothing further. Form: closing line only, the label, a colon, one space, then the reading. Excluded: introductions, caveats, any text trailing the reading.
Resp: 4:37
